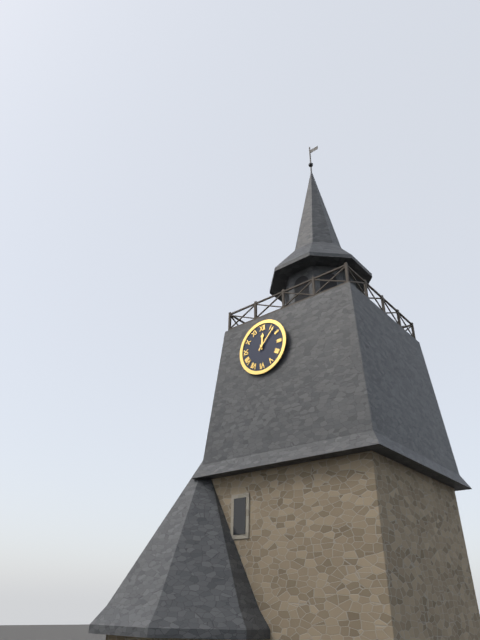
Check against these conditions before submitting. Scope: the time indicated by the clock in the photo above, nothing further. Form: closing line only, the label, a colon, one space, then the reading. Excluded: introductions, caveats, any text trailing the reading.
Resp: 12:07
